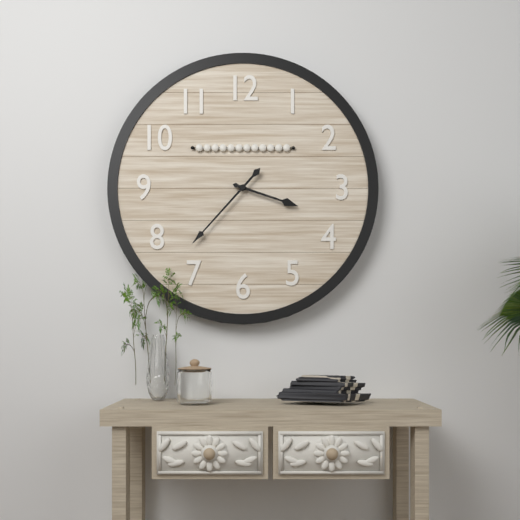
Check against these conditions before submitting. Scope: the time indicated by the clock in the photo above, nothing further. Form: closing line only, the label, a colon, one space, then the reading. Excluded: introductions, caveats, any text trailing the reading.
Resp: 3:37
